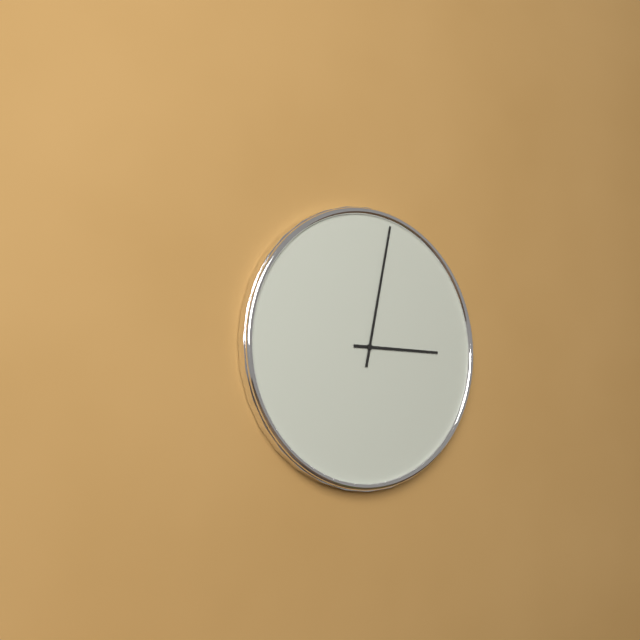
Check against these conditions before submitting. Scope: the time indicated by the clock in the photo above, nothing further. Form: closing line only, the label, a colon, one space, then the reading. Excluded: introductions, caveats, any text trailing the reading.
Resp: 3:02
